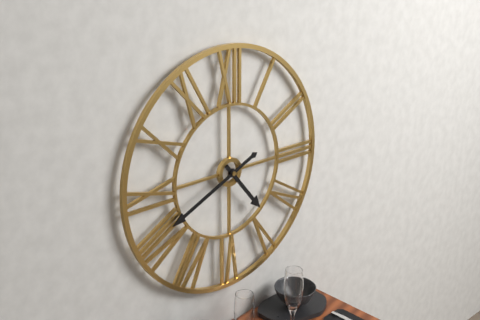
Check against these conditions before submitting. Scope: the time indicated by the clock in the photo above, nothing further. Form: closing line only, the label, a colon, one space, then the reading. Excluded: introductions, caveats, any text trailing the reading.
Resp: 4:41
